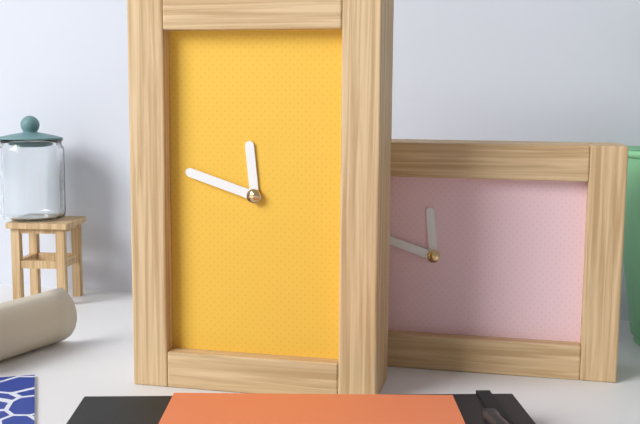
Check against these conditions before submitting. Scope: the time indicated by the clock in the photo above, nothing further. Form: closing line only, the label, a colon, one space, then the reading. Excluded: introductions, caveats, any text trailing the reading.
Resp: 11:48
